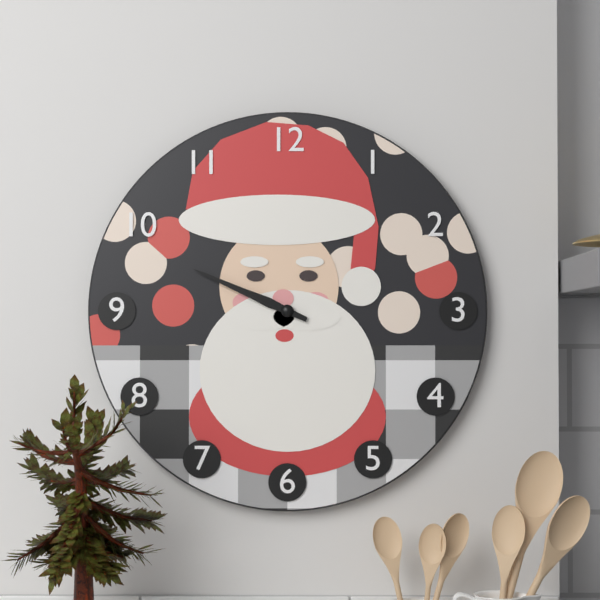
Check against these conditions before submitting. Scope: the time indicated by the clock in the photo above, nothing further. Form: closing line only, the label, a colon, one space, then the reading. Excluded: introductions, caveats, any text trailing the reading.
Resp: 9:49
